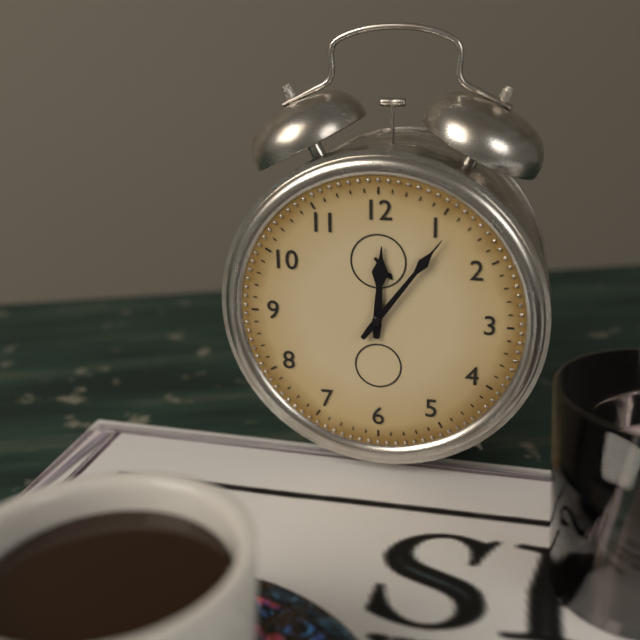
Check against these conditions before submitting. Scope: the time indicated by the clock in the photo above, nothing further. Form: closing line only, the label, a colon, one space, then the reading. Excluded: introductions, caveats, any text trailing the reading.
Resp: 12:06
